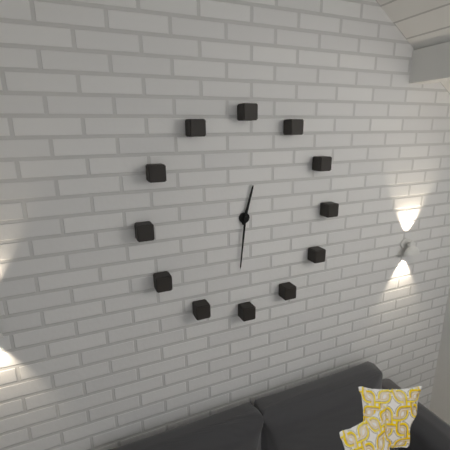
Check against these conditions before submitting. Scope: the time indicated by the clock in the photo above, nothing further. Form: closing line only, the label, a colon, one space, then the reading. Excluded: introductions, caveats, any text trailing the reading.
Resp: 12:31
